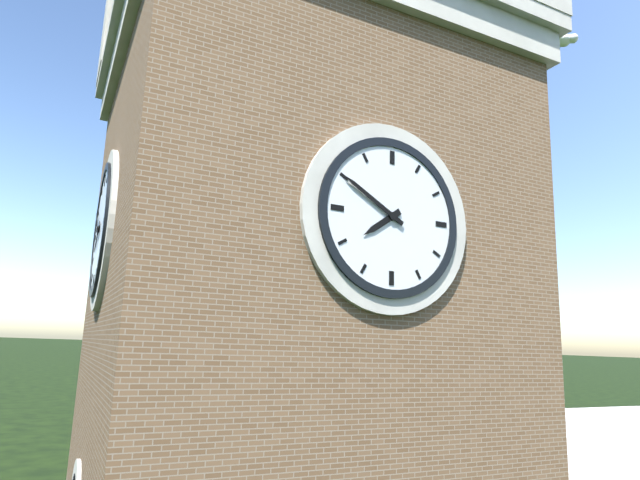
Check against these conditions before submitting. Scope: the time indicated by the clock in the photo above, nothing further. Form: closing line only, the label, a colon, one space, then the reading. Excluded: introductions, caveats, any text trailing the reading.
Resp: 7:50
